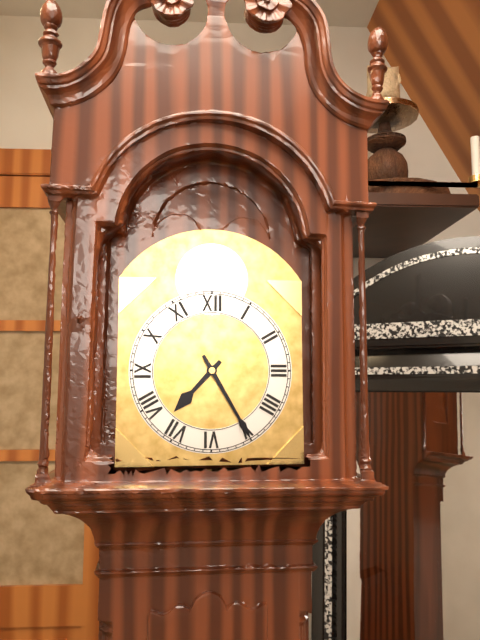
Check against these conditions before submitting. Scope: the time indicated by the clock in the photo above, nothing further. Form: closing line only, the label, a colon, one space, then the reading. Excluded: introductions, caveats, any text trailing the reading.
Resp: 7:25
